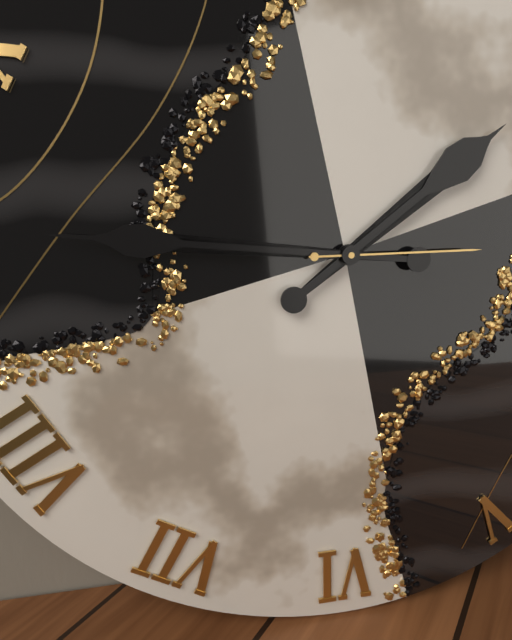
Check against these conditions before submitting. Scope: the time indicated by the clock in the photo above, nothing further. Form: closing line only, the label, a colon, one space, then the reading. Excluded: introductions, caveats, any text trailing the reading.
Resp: 1:46:15
